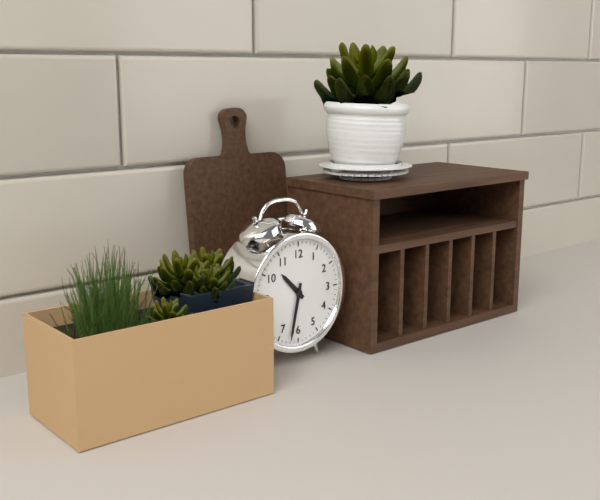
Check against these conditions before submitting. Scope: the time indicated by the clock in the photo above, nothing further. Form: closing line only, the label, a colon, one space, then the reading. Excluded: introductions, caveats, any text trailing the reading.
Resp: 10:32
